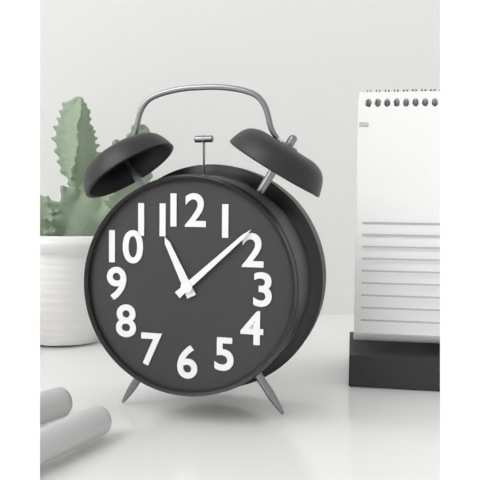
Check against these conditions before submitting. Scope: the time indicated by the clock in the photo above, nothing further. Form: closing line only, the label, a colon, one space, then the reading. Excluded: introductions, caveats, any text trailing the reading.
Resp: 11:08
